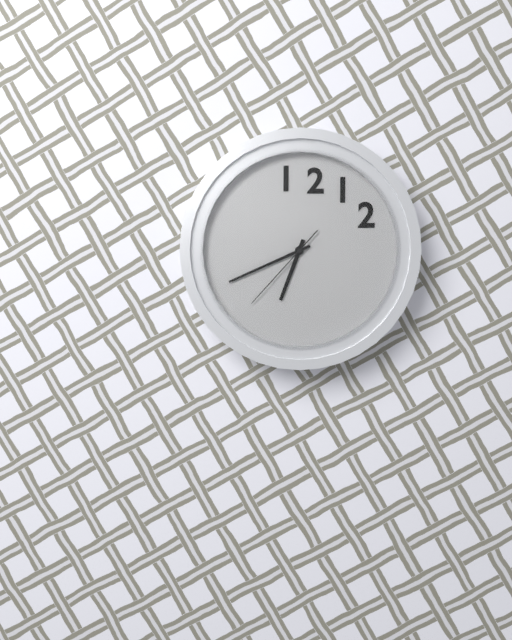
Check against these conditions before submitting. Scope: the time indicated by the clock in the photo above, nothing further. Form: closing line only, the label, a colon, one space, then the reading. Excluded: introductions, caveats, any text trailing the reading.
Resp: 6:41:37
